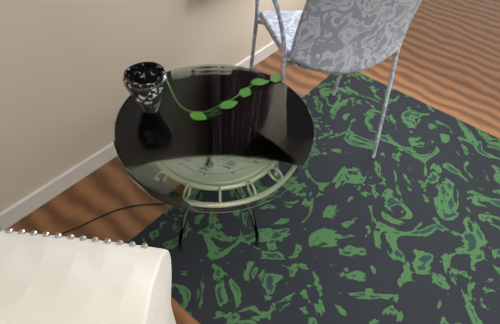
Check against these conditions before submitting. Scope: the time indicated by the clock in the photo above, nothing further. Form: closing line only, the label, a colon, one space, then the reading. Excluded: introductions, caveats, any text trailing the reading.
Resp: 5:40
